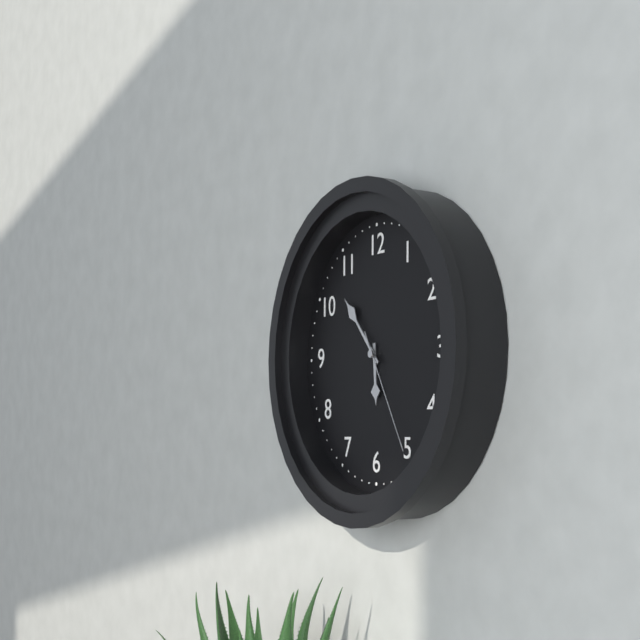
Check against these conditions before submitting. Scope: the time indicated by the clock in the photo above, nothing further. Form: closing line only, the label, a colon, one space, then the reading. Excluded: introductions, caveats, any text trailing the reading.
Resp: 5:53:25
